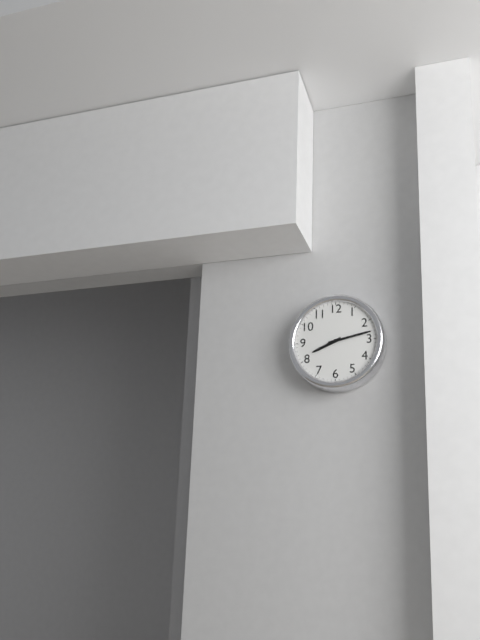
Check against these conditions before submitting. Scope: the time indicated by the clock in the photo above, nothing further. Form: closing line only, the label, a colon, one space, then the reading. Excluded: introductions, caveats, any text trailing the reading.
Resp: 8:13
